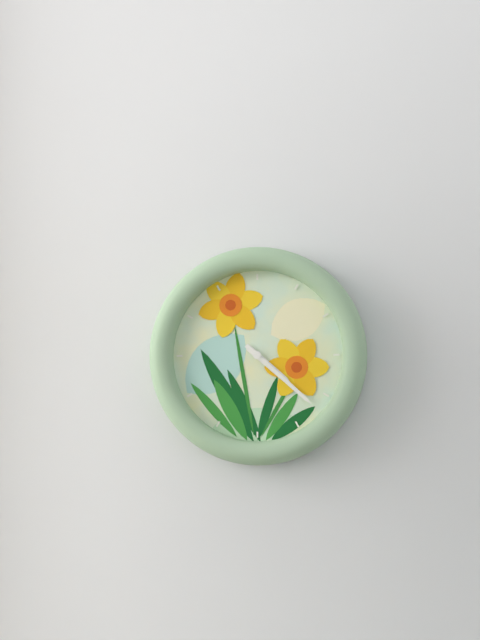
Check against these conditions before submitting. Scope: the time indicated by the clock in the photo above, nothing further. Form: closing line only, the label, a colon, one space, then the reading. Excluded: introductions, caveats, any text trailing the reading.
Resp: 4:22
